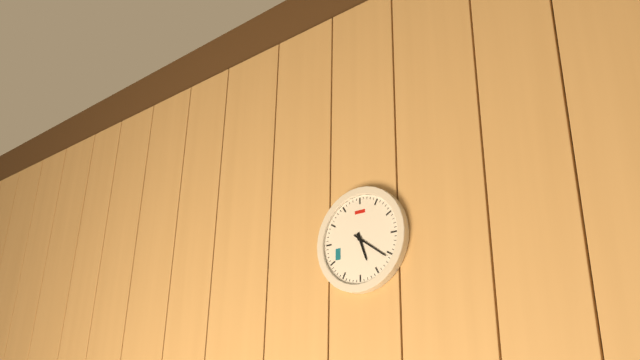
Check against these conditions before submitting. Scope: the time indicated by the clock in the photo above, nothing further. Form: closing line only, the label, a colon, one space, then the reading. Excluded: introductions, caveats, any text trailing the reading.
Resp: 5:21
